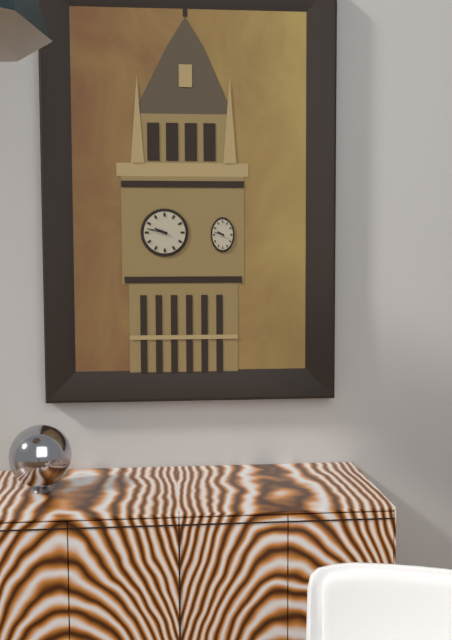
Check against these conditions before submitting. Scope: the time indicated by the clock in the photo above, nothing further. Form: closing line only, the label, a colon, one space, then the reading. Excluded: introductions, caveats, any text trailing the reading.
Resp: 9:47
